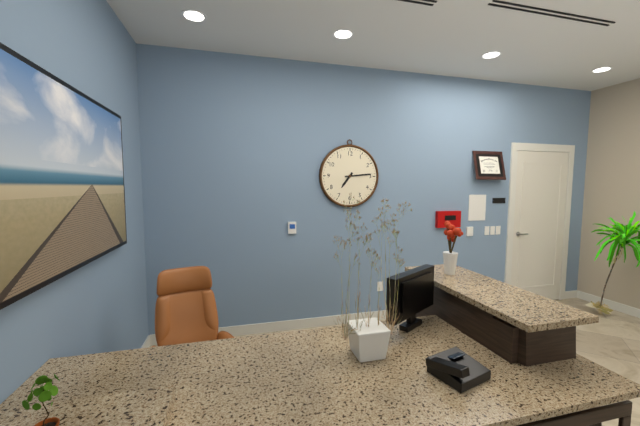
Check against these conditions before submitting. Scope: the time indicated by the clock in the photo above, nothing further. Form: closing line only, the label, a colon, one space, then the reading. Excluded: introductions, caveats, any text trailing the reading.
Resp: 7:14
